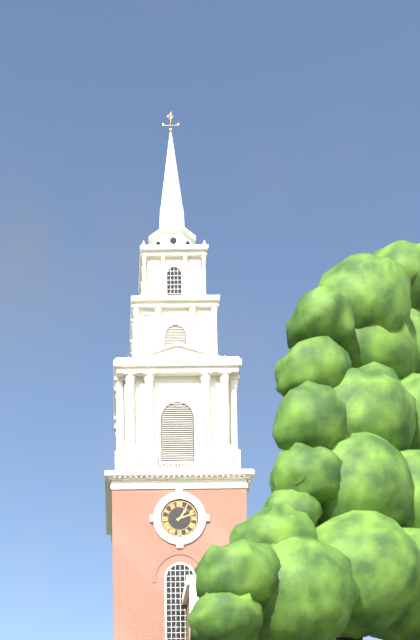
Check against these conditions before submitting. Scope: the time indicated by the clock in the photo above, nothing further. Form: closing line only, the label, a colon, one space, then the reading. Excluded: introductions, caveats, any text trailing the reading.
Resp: 1:12
